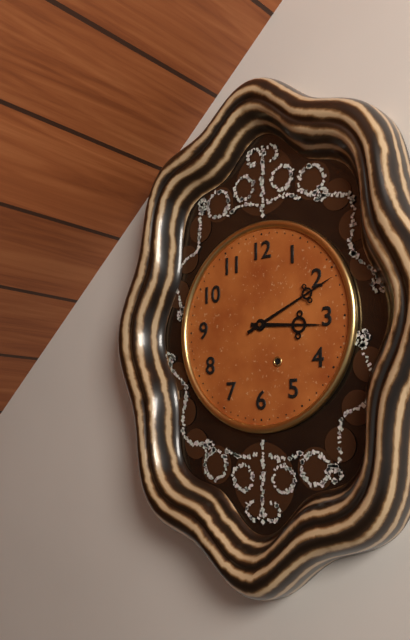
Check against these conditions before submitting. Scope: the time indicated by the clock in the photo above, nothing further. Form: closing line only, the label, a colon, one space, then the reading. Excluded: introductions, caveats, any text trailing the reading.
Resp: 3:11
